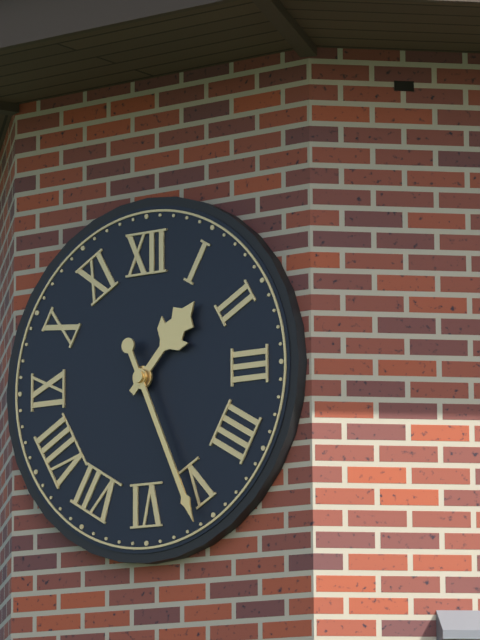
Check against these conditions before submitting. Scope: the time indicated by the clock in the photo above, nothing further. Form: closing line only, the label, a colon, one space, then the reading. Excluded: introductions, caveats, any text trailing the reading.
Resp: 1:26
